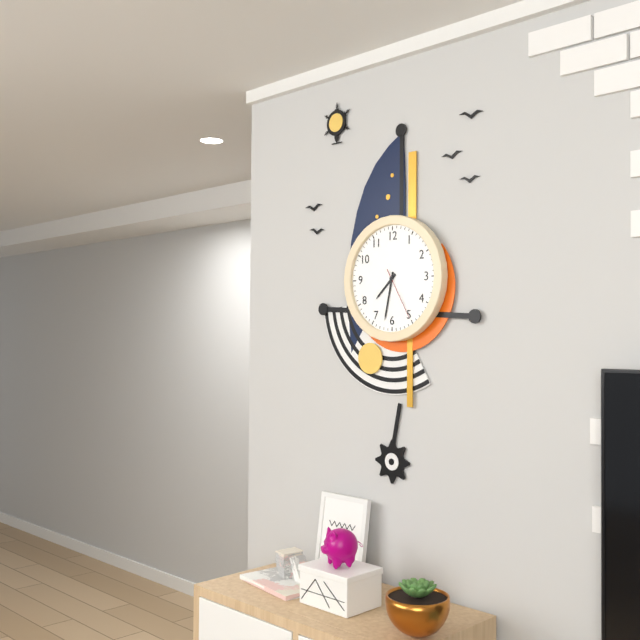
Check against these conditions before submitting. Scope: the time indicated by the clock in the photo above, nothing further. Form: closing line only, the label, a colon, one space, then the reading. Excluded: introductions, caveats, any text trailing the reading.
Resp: 7:32:25
